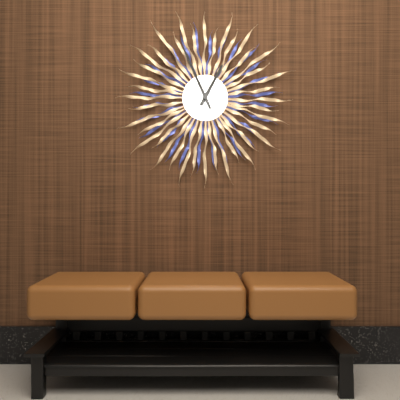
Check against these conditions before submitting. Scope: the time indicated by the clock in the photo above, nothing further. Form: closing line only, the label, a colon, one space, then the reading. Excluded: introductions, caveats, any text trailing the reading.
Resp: 12:56
